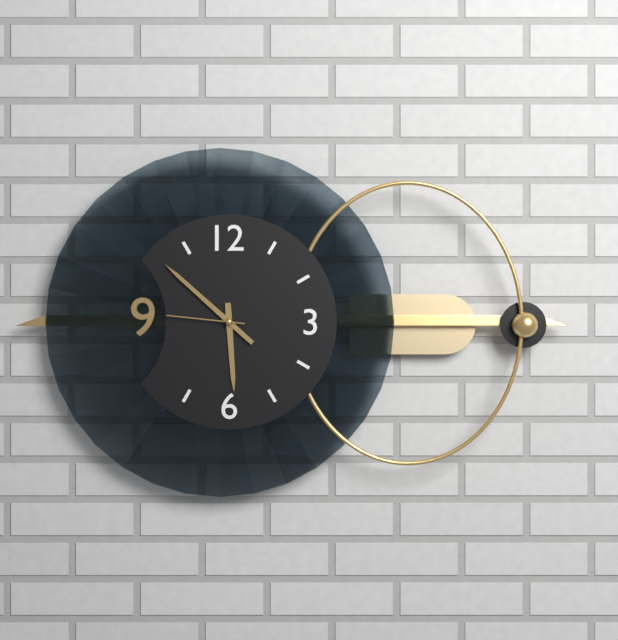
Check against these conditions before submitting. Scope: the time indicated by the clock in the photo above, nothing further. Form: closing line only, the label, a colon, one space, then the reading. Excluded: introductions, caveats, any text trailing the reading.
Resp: 5:52:46
